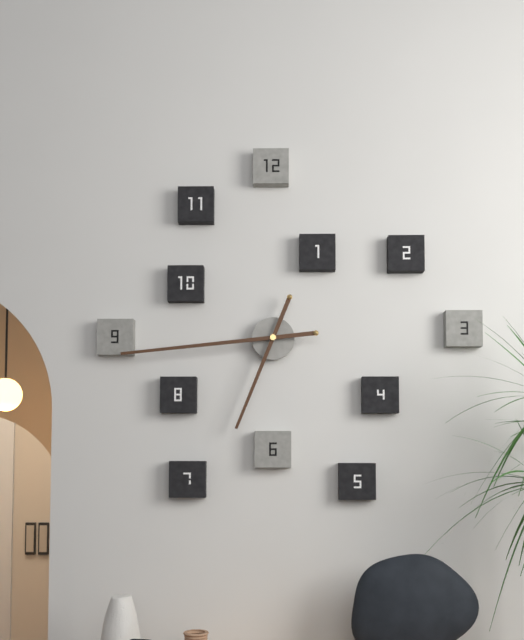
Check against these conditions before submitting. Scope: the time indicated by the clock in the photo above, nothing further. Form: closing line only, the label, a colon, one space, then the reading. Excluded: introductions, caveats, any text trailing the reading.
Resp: 6:44
